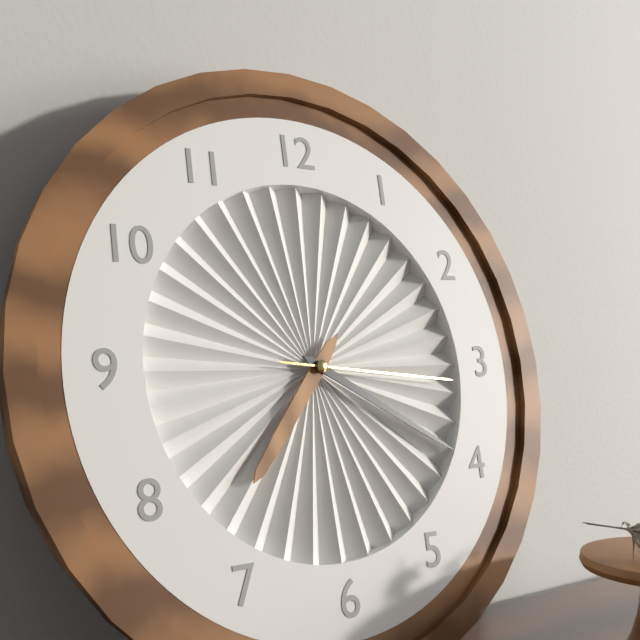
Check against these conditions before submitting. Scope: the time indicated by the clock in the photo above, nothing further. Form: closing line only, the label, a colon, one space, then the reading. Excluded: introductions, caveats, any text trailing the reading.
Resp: 7:20:16
